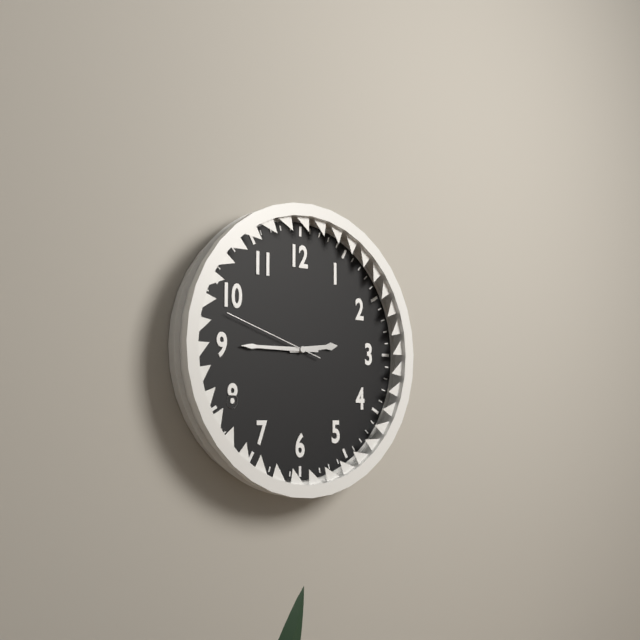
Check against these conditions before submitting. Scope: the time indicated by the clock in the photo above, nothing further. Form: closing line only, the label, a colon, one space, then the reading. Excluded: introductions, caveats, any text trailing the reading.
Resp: 2:45:48
